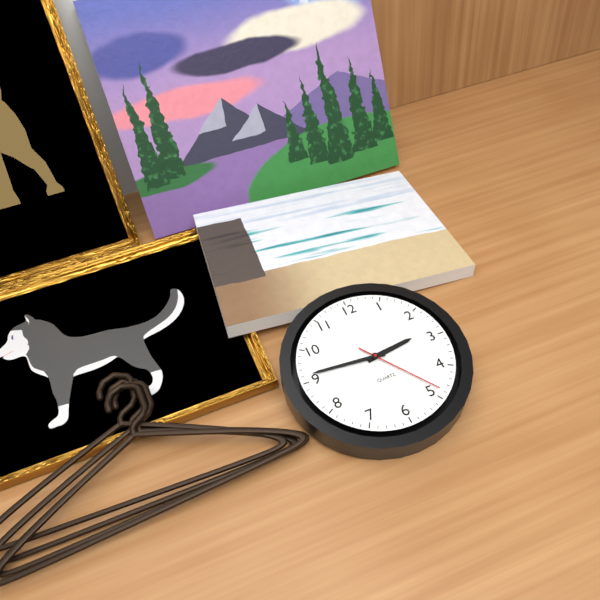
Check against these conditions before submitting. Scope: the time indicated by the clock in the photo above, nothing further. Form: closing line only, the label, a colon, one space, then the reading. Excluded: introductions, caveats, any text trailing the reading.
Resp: 2:46:24
